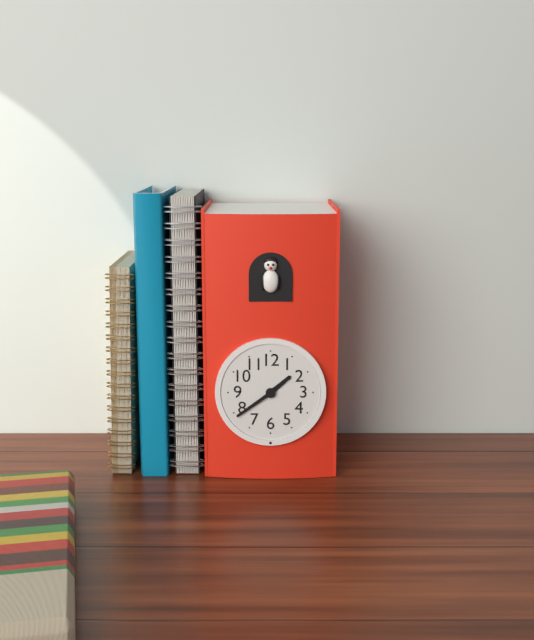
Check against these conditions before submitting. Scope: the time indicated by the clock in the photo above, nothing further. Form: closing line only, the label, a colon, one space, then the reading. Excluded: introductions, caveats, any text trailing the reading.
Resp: 1:39
